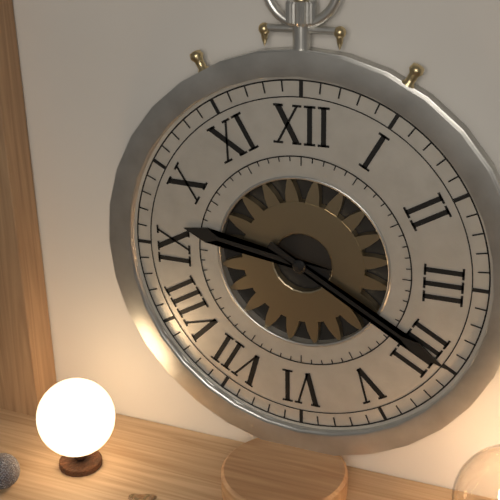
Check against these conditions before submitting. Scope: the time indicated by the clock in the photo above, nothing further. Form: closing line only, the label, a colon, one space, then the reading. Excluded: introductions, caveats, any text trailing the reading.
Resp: 9:20
